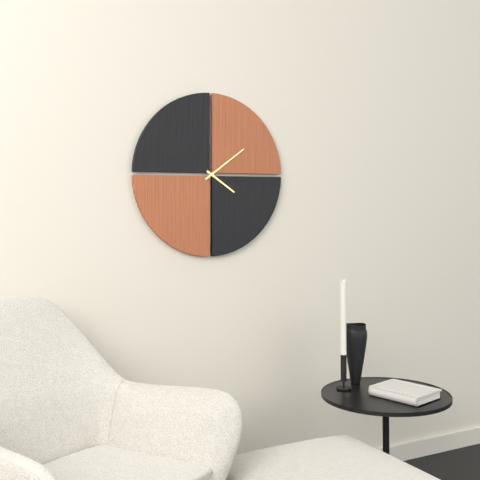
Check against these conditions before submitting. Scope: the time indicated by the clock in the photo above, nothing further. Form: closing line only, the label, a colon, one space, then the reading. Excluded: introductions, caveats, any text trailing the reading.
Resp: 4:09
